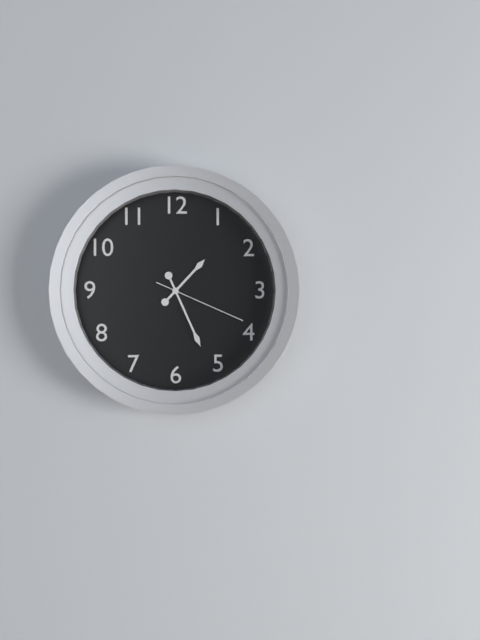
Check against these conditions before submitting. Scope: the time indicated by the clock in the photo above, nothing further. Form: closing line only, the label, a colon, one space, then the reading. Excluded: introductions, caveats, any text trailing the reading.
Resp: 1:26:19
